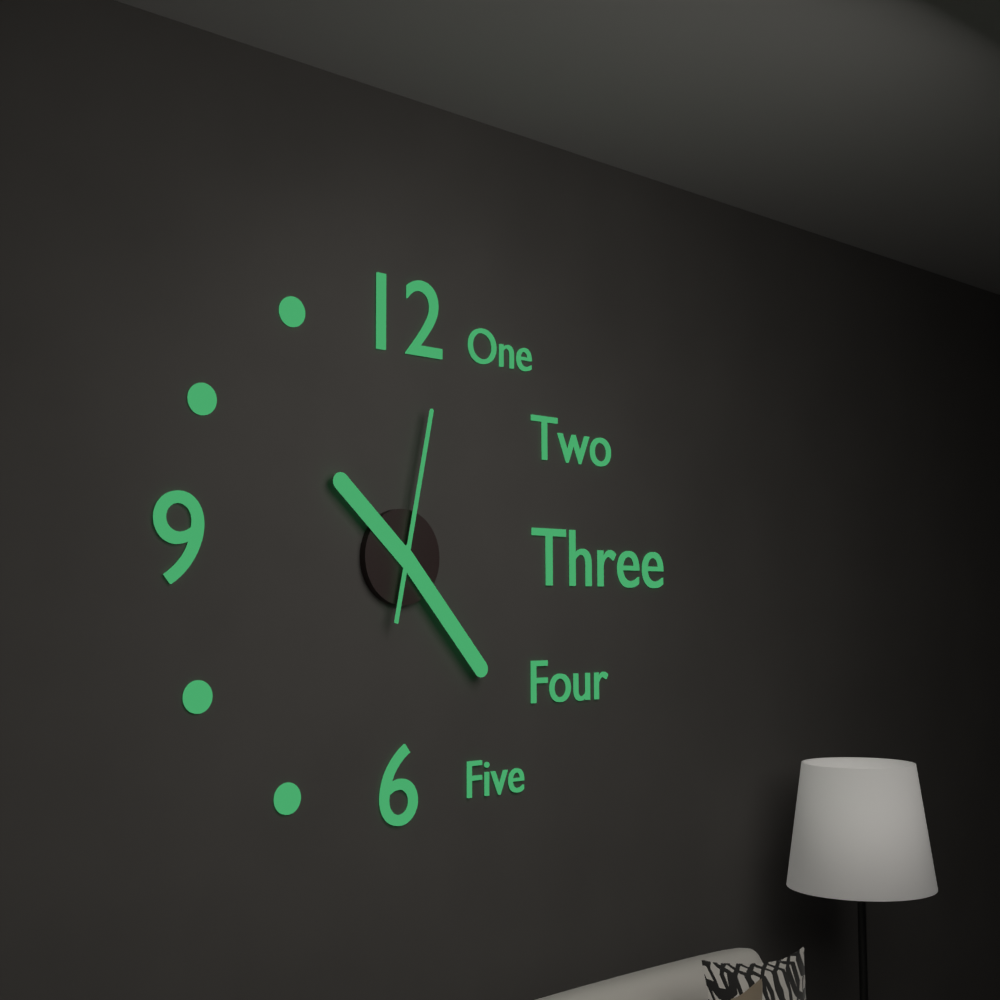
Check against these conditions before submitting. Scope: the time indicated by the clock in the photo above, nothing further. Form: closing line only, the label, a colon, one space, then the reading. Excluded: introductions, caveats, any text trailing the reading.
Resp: 10:23:02
